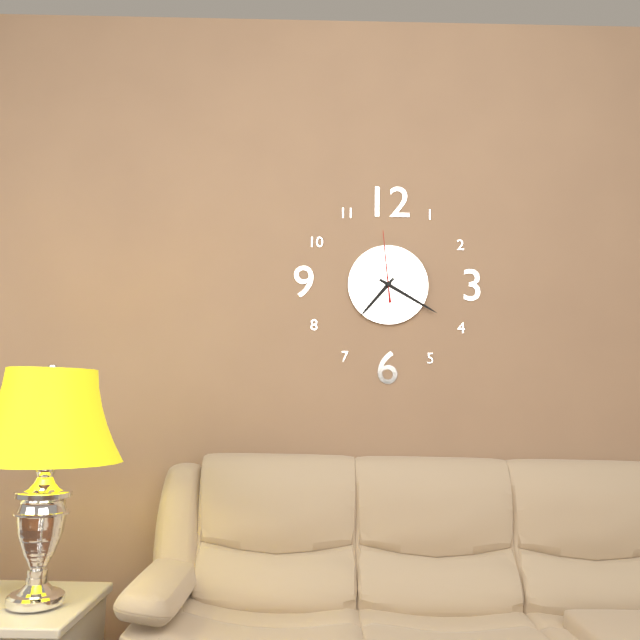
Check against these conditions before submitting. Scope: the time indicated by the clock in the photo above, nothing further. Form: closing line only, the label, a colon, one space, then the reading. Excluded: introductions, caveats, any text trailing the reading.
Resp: 7:20:59
